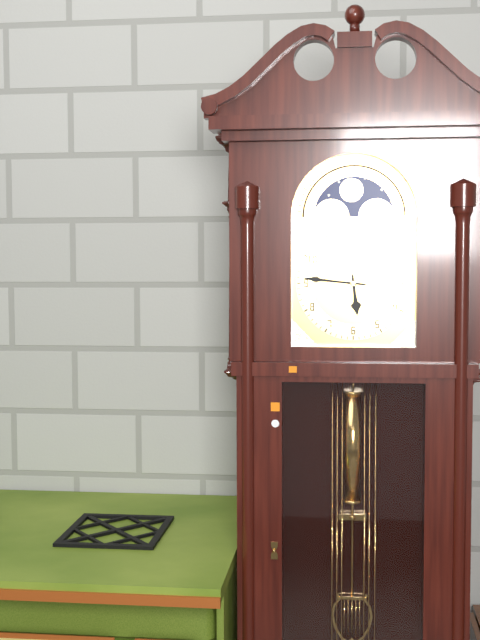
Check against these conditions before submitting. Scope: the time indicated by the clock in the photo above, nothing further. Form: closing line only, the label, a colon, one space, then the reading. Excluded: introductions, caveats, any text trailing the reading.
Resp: 5:46
